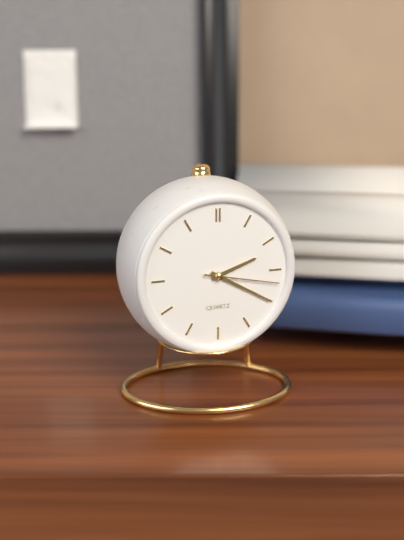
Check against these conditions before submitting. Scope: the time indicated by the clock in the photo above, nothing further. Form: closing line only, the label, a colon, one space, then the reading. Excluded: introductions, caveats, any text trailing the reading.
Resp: 2:20:17
